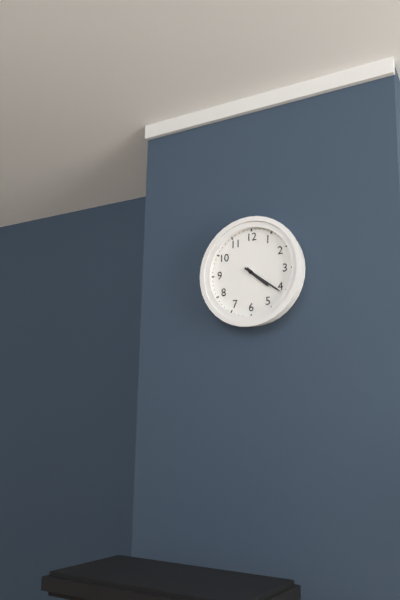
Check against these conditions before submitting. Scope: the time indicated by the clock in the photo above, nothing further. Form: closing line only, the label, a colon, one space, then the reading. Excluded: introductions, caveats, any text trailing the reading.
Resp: 4:21
